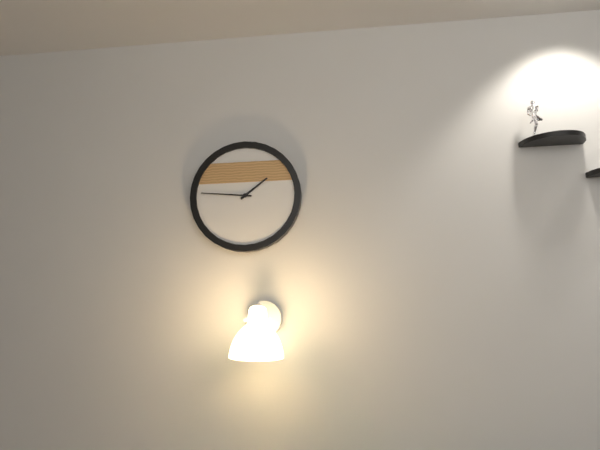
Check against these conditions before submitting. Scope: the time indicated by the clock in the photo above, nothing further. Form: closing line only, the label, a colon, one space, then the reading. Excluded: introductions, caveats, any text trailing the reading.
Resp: 1:46
